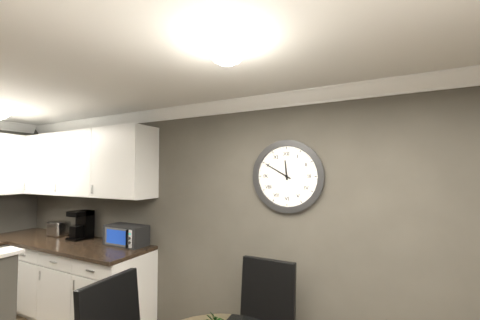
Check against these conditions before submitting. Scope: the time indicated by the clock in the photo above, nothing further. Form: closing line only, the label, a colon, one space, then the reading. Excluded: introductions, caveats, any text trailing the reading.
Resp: 11:50
